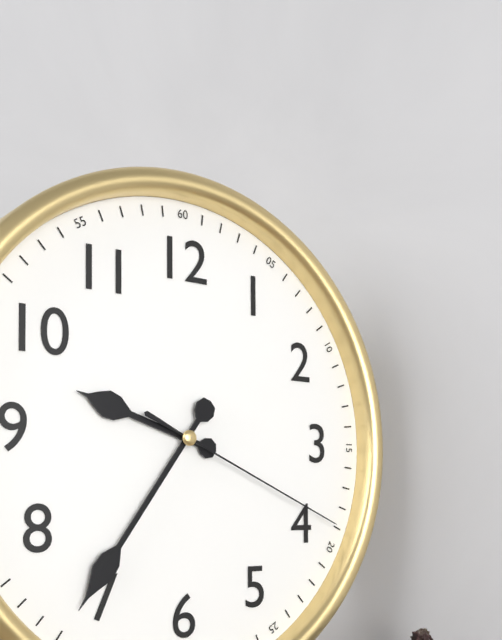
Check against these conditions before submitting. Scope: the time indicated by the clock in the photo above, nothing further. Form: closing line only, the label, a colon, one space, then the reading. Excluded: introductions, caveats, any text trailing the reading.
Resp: 9:36:19
